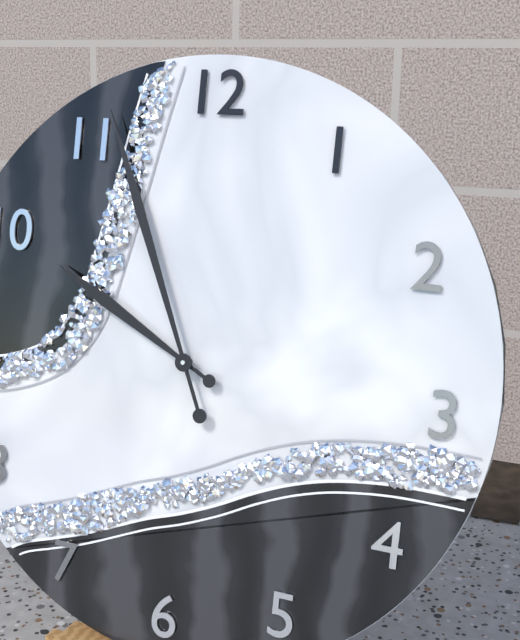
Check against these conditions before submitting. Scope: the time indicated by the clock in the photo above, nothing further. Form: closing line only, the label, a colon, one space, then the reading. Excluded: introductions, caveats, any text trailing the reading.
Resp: 9:56
